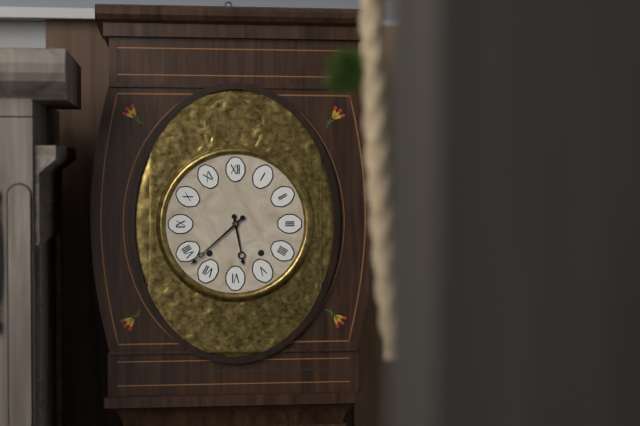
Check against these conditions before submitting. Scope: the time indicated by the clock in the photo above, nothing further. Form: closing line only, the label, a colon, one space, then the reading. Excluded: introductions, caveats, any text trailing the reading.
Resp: 5:38
